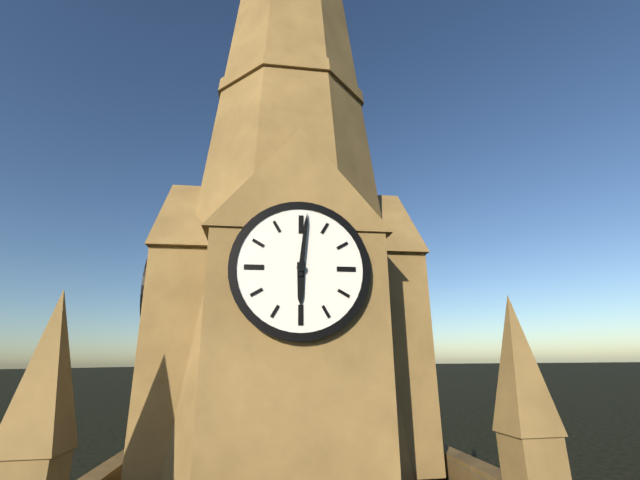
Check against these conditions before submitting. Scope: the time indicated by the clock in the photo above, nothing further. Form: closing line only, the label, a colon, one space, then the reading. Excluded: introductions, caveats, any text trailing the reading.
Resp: 6:01
